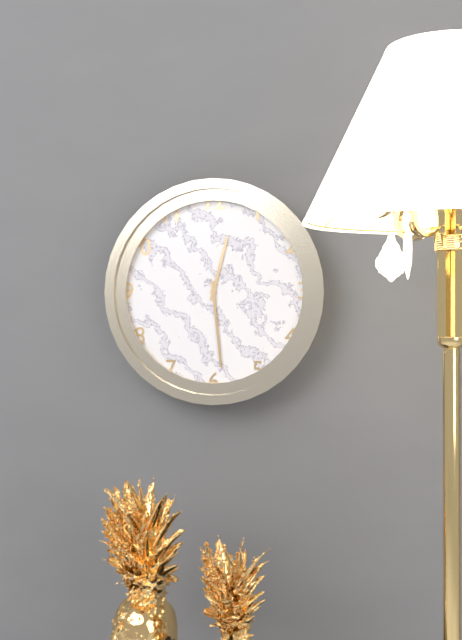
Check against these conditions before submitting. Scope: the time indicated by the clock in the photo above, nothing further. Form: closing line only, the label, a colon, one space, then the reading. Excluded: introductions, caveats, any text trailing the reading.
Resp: 12:29
